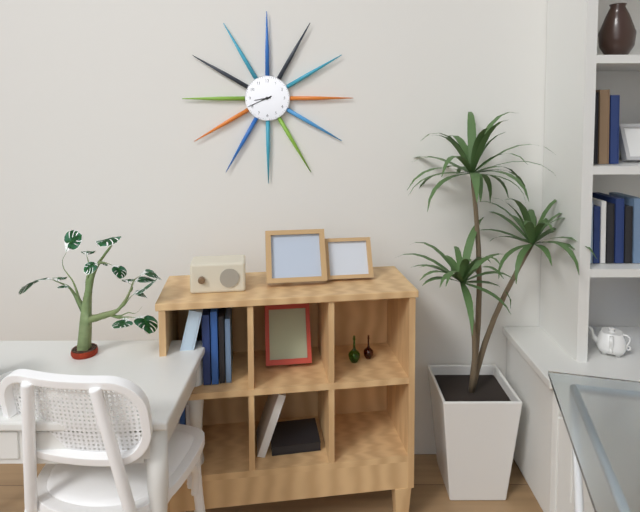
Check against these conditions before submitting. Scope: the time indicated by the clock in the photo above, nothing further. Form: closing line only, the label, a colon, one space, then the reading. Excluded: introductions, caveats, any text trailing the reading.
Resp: 8:41
